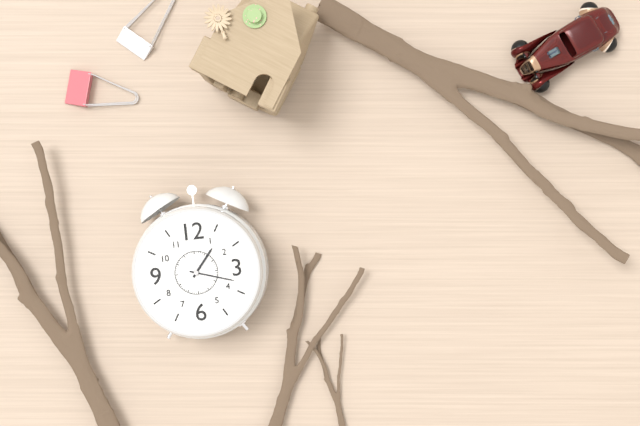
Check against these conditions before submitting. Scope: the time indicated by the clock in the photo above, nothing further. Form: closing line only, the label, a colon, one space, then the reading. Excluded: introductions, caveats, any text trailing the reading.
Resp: 1:18
